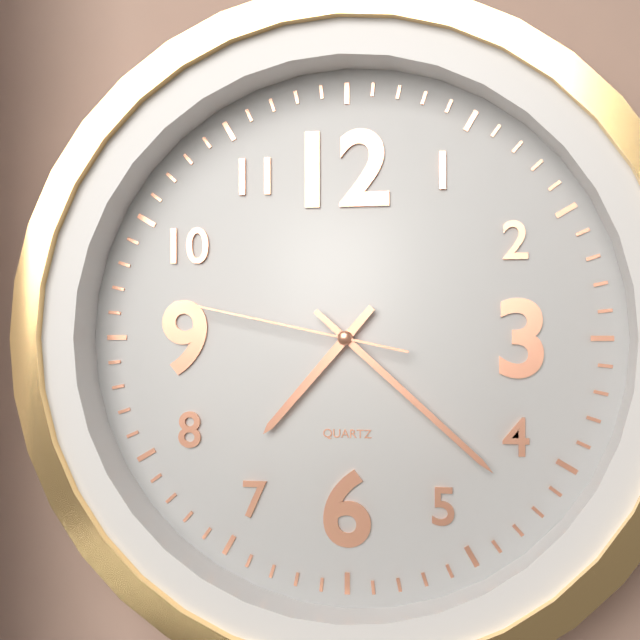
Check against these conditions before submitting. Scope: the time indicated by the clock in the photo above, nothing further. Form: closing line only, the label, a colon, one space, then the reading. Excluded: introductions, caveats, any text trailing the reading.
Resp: 7:22:47
